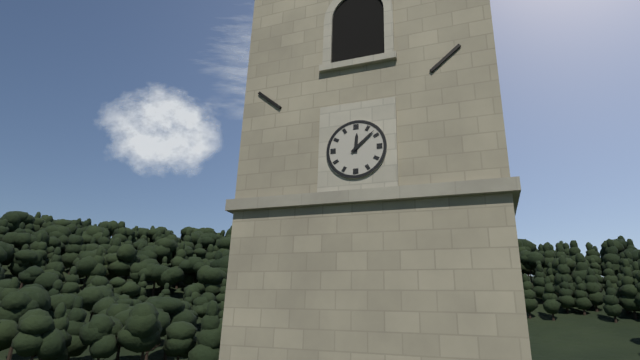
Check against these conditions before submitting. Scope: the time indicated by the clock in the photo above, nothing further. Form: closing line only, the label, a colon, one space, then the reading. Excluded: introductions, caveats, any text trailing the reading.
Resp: 12:08
